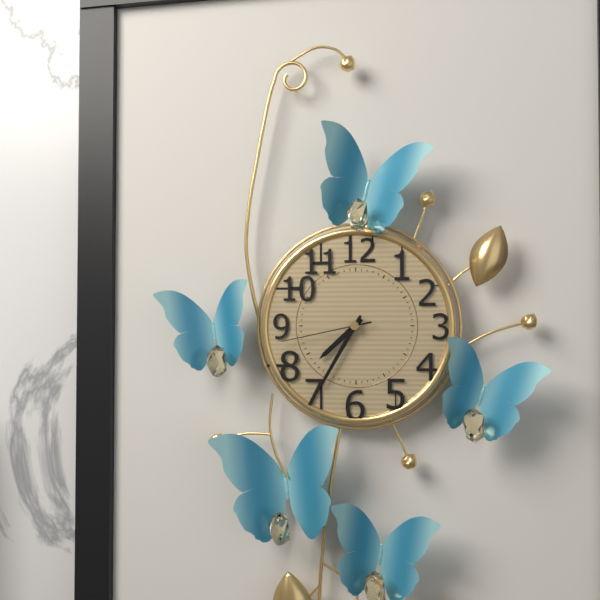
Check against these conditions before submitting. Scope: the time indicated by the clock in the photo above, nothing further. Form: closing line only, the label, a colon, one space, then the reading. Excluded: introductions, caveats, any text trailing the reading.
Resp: 7:35:43
